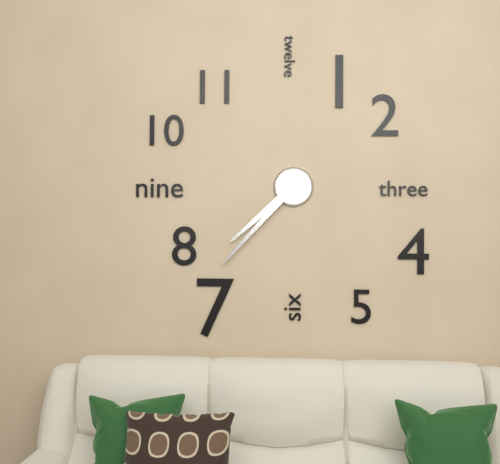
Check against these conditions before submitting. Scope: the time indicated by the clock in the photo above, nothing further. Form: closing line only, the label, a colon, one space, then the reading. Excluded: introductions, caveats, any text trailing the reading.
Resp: 7:37
